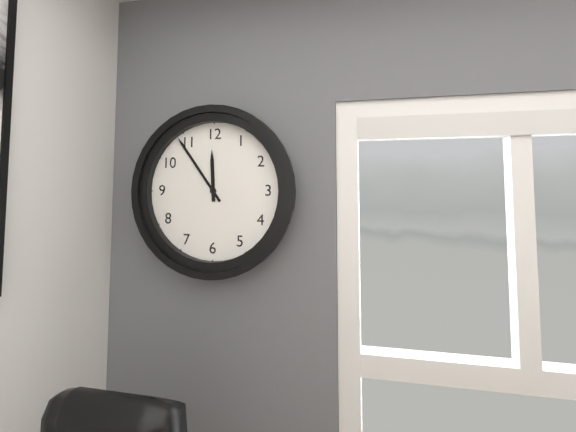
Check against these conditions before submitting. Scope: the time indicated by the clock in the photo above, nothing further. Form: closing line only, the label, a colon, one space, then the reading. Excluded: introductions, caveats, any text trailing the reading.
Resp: 11:54
